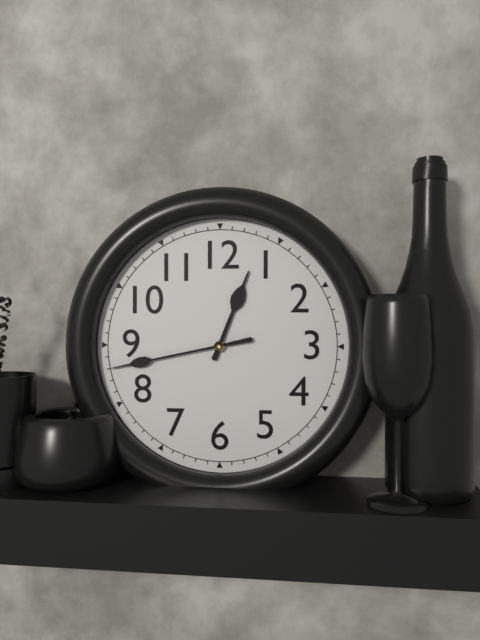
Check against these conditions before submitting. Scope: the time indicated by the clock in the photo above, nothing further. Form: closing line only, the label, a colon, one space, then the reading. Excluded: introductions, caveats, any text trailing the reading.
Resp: 12:43
